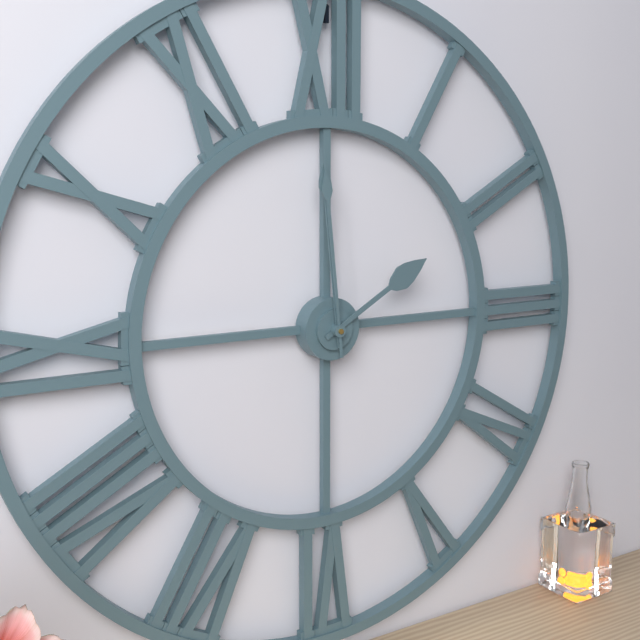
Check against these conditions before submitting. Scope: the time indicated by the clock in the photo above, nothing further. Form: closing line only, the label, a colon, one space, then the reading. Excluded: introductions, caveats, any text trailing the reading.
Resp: 1:59:59
